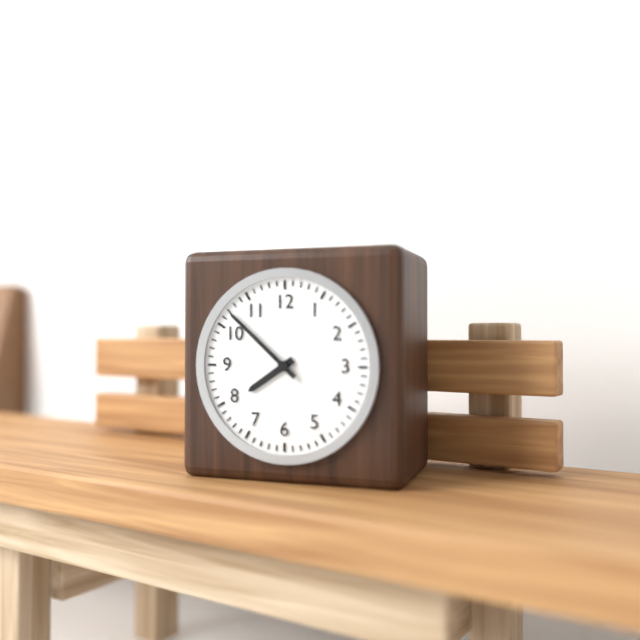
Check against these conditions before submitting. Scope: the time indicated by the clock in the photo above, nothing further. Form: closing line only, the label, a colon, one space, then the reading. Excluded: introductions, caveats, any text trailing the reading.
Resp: 7:52
